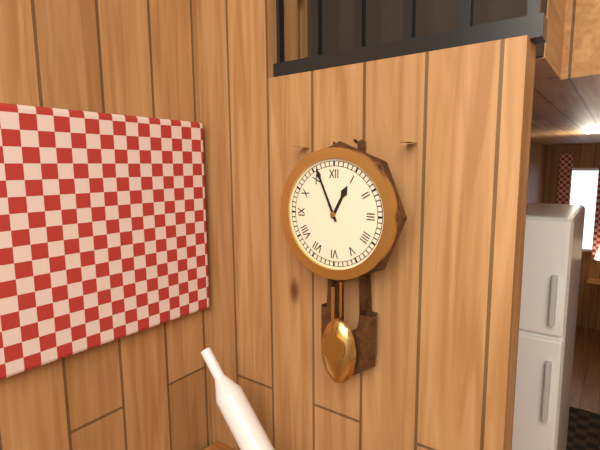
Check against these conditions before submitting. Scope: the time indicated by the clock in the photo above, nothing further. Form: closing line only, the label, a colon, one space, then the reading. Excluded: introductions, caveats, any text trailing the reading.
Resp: 12:56
